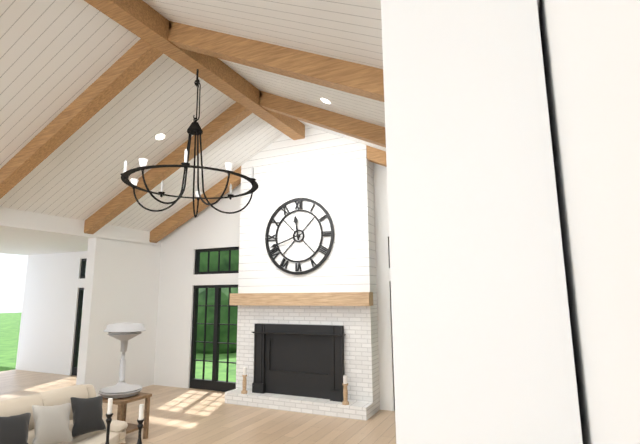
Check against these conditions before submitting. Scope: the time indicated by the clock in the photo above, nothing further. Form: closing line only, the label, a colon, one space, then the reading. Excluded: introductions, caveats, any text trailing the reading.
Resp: 11:42
